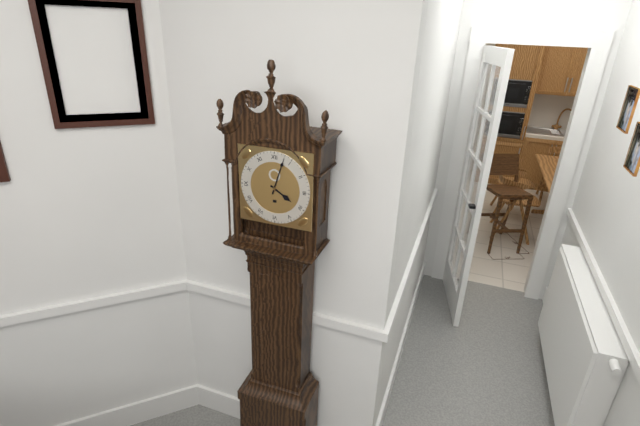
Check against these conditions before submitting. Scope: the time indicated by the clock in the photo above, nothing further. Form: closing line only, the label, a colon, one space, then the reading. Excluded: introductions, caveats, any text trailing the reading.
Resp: 4:03
